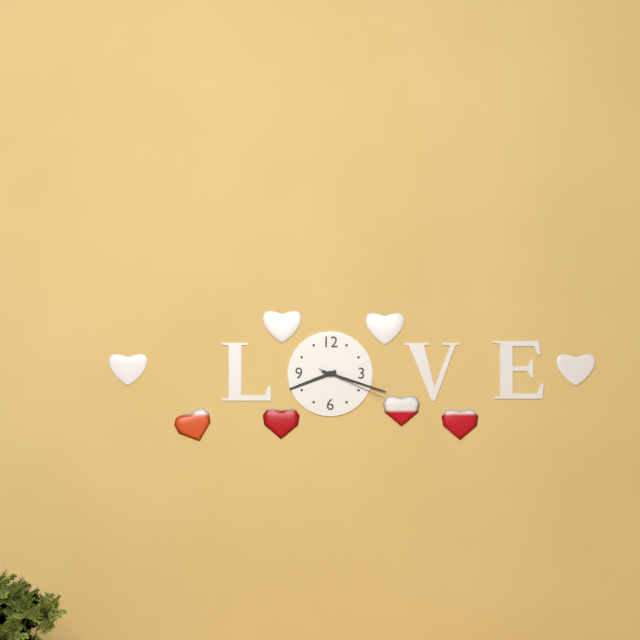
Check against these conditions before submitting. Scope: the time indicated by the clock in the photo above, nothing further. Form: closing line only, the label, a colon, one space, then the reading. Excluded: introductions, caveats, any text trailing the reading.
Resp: 8:18:19
